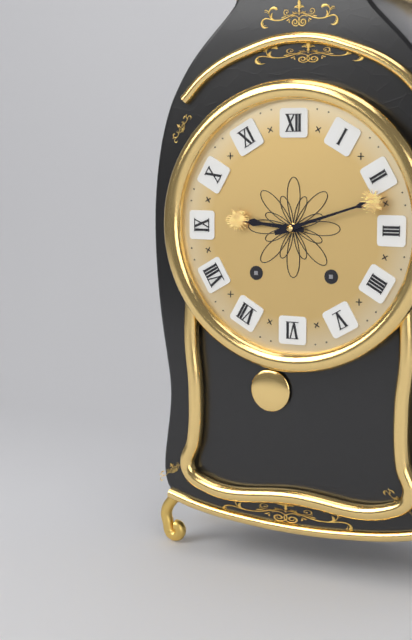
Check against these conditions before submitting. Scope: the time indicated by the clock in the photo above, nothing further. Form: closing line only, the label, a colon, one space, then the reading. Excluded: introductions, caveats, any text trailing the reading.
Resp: 9:12
